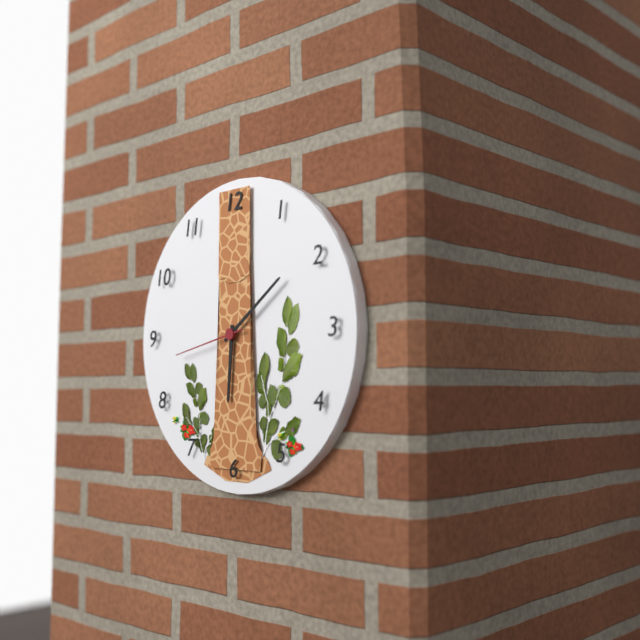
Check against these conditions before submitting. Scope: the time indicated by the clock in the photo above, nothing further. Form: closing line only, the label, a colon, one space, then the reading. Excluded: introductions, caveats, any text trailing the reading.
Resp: 6:09:43
